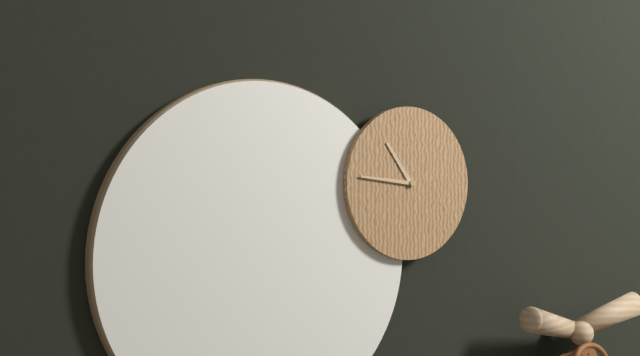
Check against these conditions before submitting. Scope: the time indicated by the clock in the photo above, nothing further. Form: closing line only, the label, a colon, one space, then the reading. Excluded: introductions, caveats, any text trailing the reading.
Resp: 10:46
